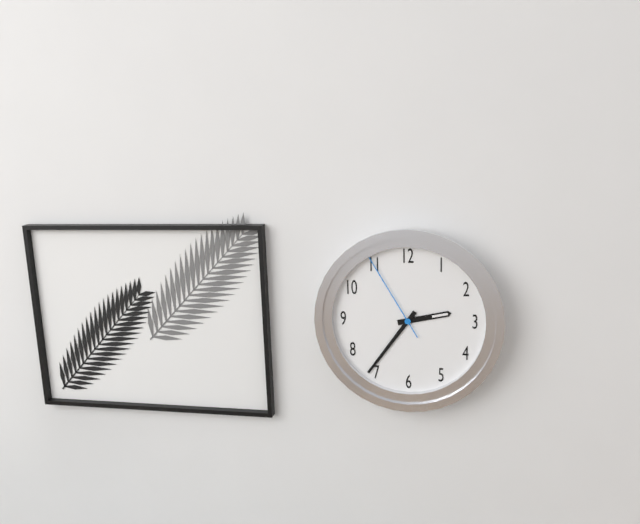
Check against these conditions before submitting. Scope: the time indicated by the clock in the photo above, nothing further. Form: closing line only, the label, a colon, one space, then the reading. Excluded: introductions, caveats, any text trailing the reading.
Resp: 2:36:55
